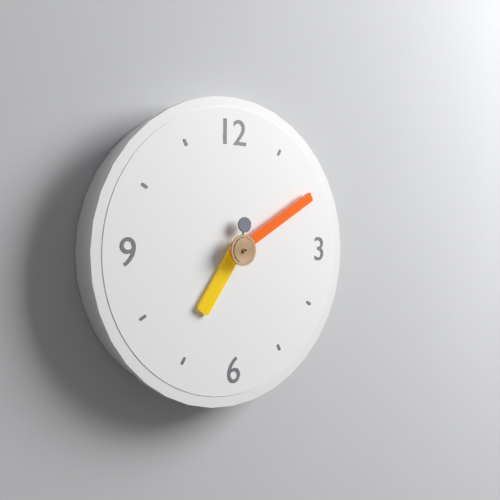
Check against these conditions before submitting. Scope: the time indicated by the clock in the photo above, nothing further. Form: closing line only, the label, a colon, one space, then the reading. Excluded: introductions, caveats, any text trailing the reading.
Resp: 7:10
